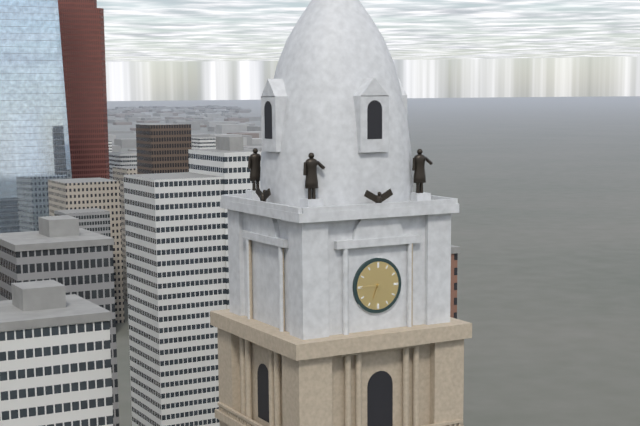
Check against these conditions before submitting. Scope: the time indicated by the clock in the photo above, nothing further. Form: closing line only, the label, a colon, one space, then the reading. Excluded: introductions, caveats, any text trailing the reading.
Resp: 6:45
